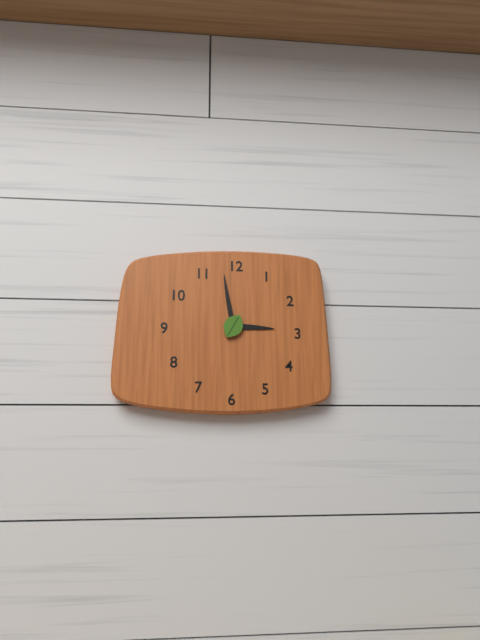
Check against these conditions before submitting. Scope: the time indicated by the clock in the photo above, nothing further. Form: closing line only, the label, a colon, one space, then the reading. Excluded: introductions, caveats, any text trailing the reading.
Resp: 2:58
